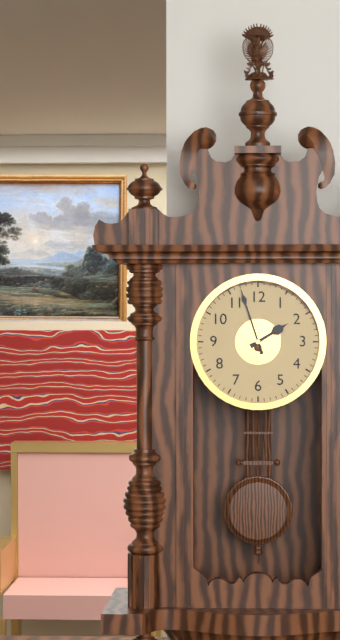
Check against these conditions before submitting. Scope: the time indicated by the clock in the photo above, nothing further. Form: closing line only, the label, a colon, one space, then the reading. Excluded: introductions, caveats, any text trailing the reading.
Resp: 1:57
